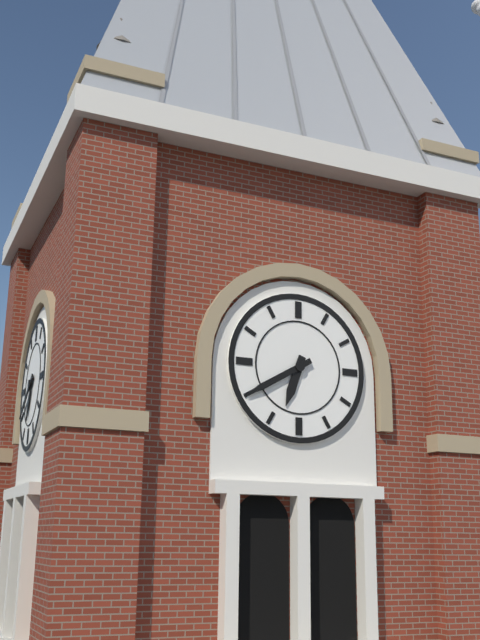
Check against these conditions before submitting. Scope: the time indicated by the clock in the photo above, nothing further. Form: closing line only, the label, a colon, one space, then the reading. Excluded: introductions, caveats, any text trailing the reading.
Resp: 6:40
